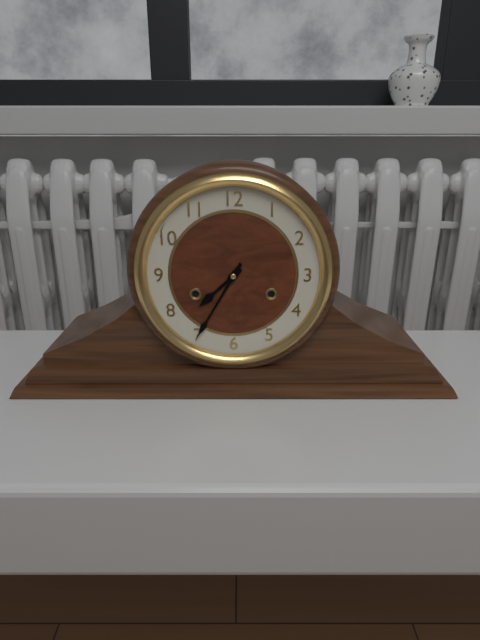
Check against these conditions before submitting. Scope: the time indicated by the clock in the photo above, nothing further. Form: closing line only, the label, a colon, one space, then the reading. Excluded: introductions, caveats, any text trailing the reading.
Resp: 7:35
